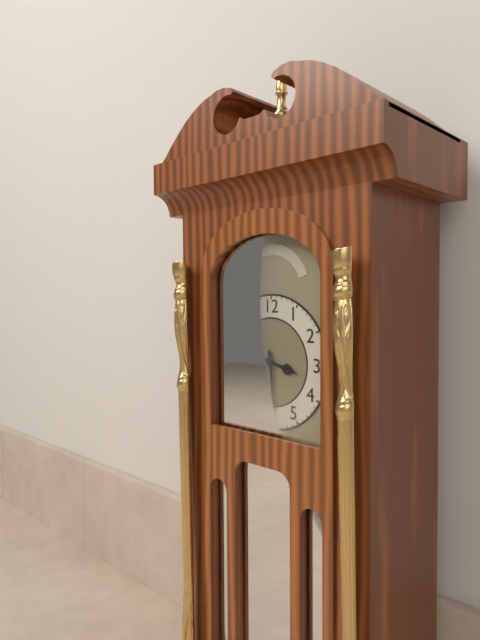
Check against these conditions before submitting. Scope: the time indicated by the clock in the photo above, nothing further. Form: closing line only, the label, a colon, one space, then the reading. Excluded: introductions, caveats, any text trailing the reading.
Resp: 3:29
